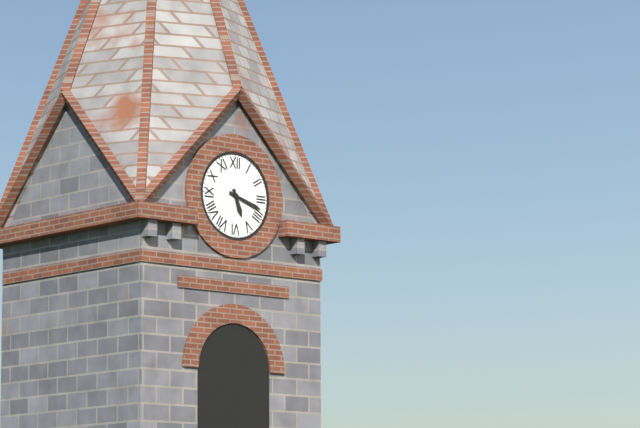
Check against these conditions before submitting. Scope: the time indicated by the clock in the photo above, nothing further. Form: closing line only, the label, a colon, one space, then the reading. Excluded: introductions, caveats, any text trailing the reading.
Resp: 5:18
